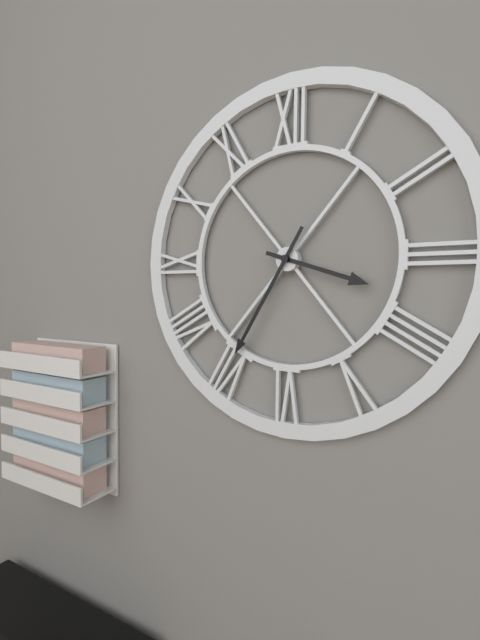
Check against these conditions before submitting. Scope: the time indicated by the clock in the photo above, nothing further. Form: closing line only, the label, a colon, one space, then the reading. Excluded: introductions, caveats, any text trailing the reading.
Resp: 3:35
